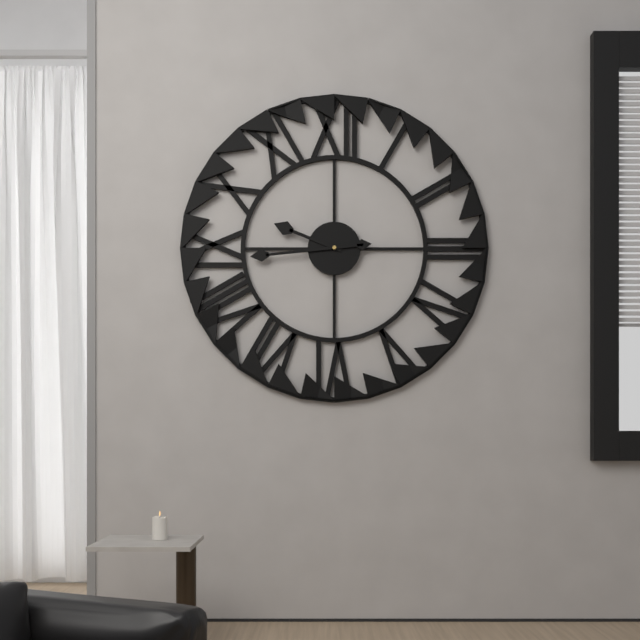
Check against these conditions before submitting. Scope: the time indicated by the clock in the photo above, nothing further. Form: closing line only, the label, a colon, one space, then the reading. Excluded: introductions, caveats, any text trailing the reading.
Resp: 9:44
